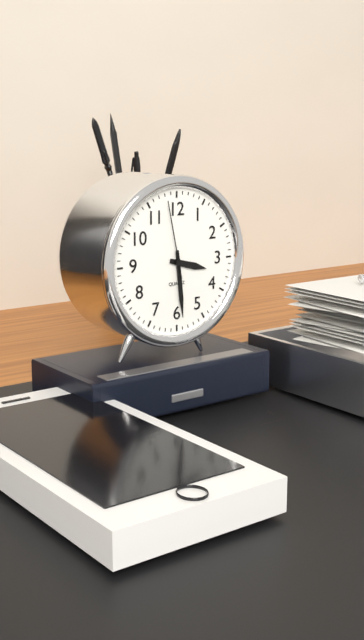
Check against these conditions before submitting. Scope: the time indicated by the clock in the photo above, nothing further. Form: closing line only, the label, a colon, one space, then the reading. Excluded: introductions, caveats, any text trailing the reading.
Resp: 3:29:58
